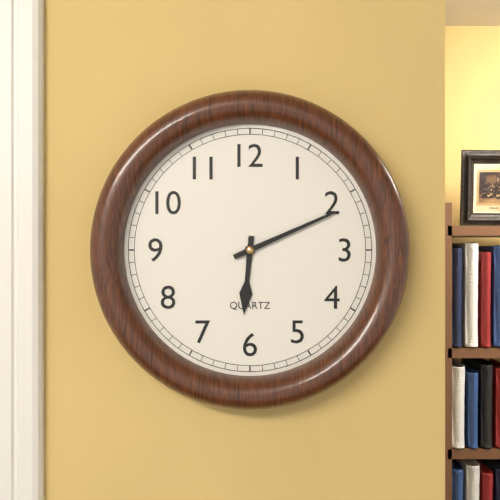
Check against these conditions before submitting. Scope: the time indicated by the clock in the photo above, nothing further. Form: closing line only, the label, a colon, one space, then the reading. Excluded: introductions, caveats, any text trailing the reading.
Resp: 6:11
